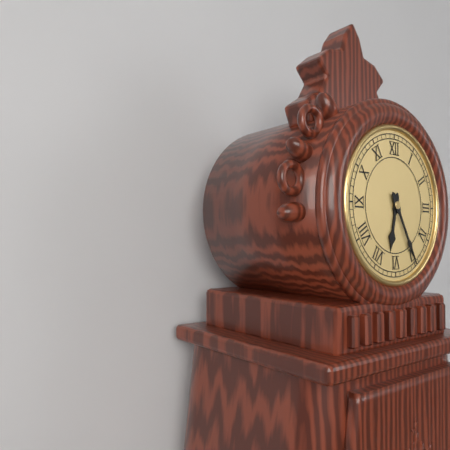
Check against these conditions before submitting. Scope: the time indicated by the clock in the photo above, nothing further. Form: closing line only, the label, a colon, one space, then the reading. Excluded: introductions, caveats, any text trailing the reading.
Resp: 6:25
